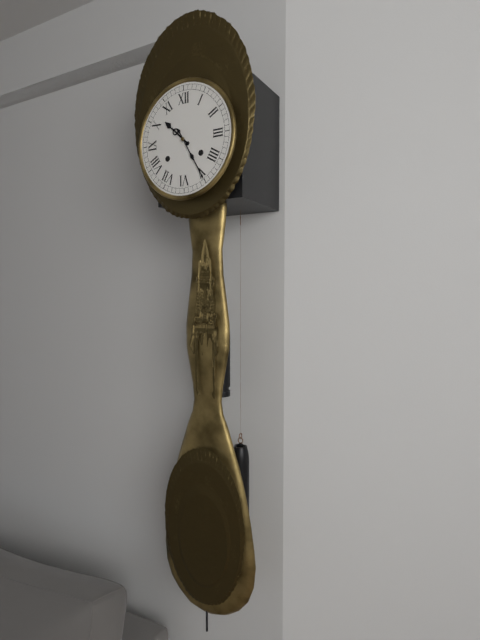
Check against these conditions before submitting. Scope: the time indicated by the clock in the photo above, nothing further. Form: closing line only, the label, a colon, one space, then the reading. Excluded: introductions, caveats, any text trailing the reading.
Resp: 10:25
